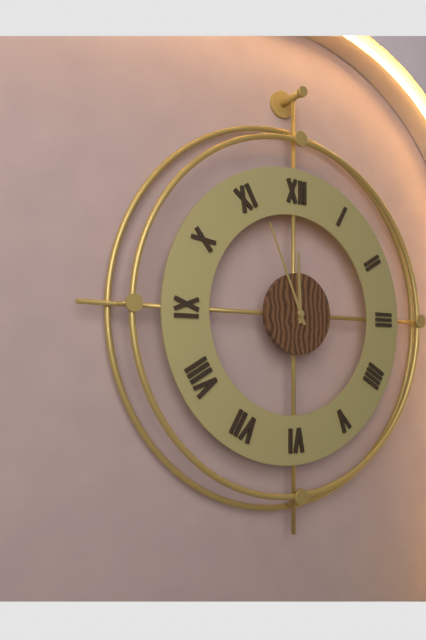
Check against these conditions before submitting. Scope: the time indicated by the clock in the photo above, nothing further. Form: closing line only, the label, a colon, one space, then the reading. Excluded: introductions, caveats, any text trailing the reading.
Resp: 11:56
